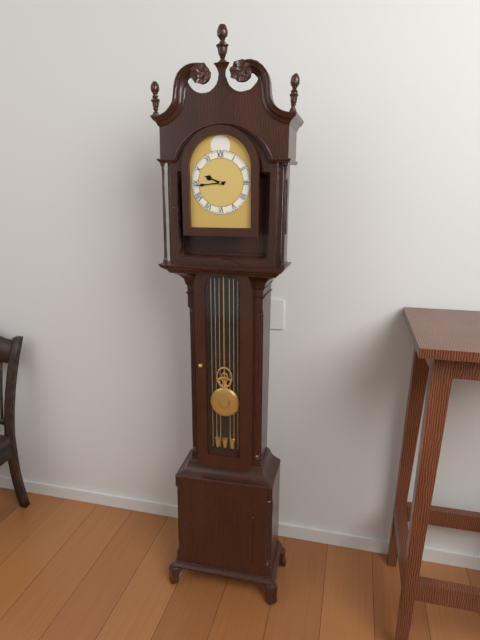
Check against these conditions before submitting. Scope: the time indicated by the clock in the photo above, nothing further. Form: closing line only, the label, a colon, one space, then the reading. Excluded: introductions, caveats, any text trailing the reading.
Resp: 9:44
